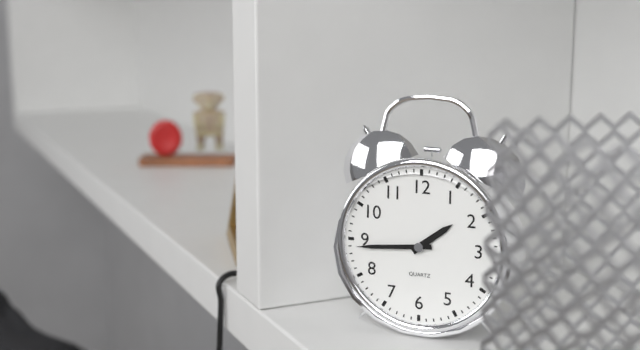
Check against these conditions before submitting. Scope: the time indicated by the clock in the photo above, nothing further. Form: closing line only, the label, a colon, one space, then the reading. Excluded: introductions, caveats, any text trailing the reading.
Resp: 1:44
